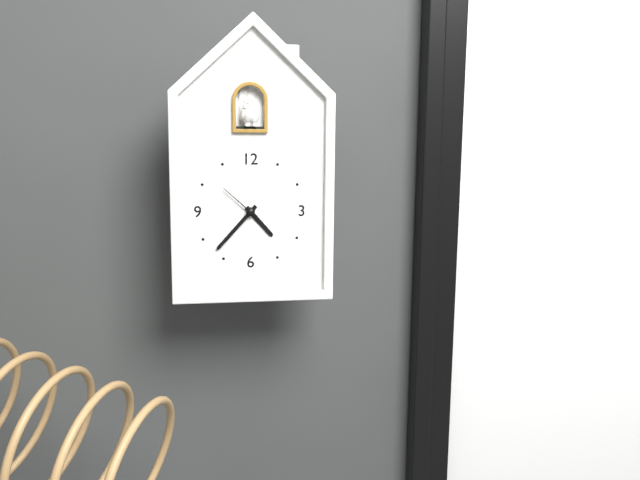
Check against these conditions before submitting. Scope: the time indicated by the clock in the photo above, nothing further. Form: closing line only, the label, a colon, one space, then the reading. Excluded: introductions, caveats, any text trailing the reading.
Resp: 4:37
